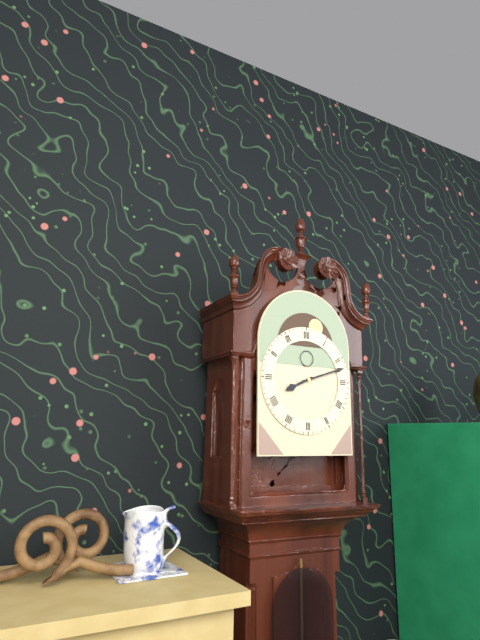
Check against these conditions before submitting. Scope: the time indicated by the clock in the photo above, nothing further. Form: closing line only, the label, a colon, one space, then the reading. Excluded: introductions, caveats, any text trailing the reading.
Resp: 8:12
